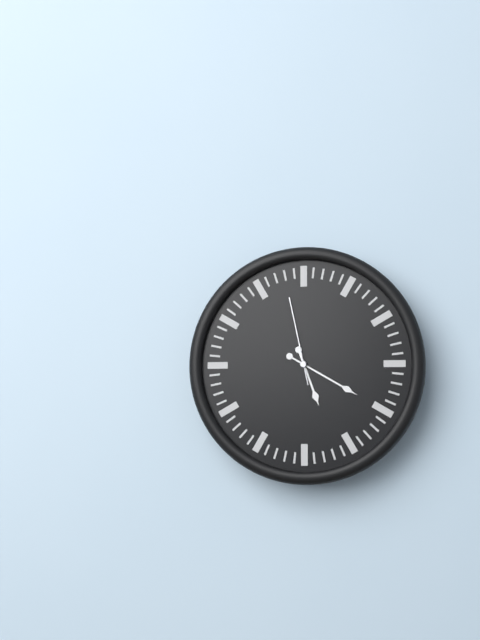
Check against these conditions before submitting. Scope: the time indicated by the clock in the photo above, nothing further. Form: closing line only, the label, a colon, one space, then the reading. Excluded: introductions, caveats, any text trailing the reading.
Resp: 5:20:58
